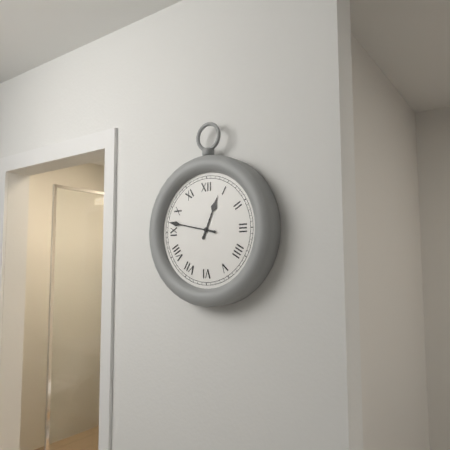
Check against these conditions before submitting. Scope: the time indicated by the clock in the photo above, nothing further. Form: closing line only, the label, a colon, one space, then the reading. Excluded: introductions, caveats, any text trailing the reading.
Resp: 12:47
